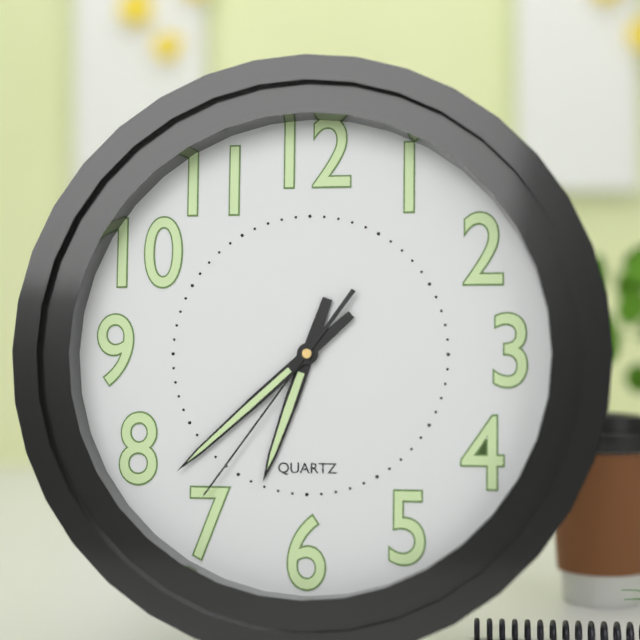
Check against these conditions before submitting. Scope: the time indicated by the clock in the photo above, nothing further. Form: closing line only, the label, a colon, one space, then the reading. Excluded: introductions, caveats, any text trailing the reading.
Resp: 6:38:36
